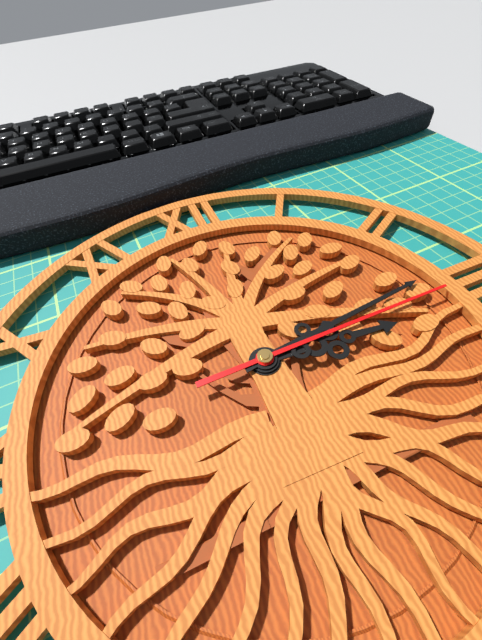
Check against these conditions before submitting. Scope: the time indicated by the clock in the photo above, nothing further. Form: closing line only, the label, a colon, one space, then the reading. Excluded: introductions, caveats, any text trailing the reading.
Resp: 3:14:15
